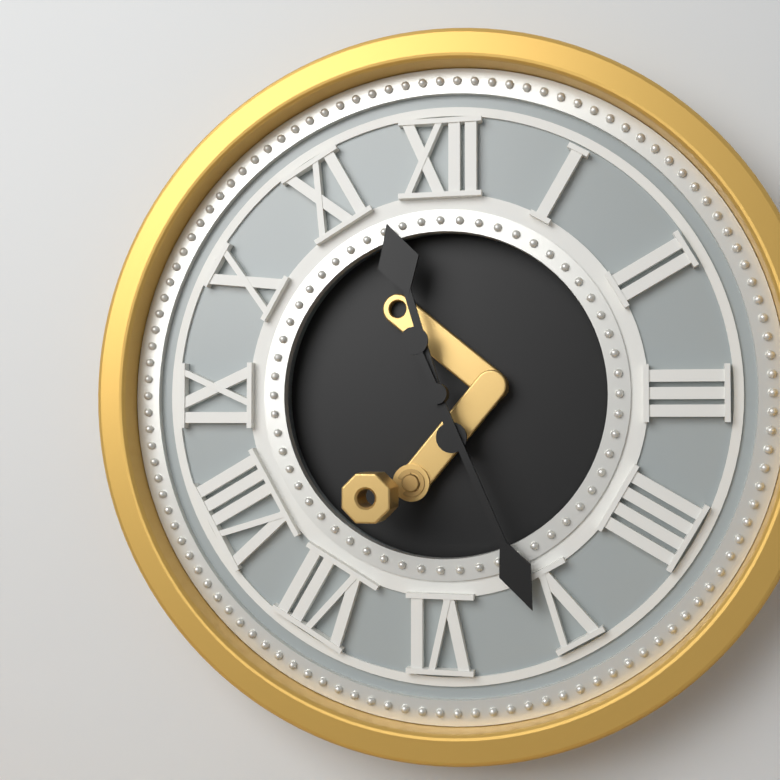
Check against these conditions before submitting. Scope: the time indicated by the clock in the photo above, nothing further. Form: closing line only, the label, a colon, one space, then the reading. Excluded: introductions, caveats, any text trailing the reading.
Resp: 11:26
